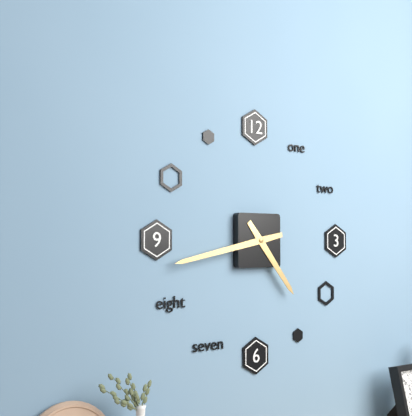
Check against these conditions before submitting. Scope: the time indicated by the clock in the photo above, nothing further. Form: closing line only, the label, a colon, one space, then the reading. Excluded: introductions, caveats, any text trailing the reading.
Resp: 4:43
